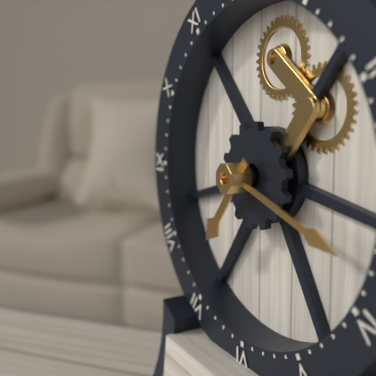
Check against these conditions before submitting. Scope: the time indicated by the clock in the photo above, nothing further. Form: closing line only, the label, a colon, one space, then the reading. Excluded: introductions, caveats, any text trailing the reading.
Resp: 7:18
